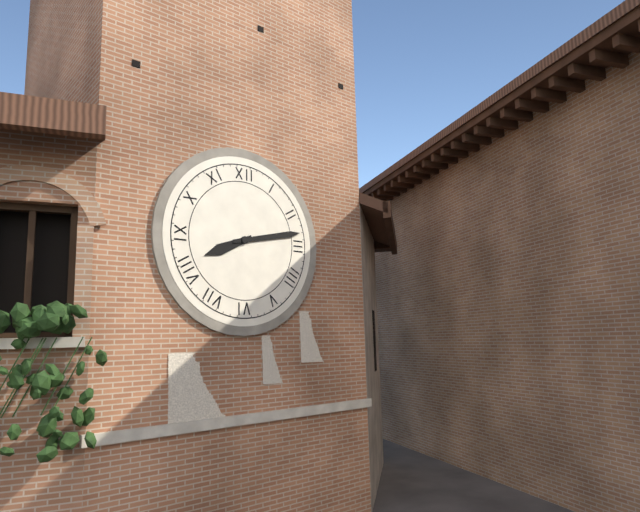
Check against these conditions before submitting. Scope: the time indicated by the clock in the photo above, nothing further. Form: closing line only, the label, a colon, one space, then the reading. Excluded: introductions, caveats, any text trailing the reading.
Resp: 8:13
